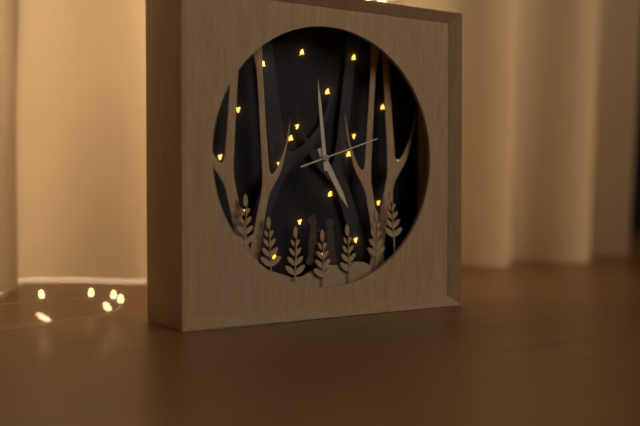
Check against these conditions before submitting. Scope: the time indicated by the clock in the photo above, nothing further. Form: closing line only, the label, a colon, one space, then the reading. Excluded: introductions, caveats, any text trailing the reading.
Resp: 4:59:12
